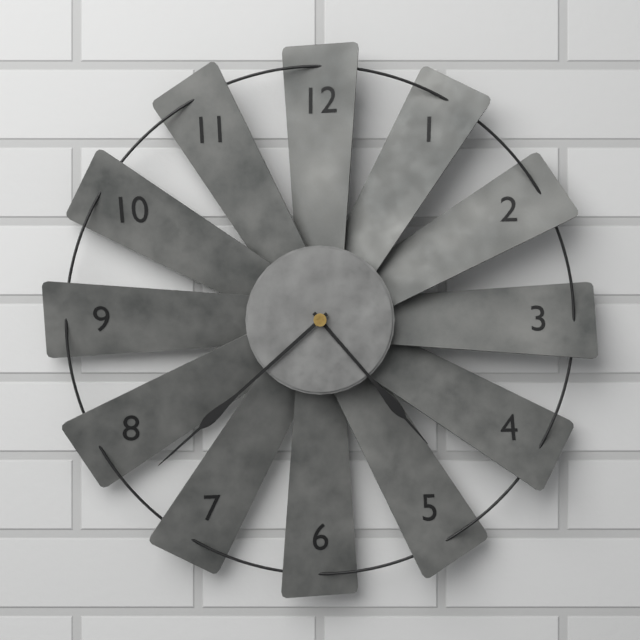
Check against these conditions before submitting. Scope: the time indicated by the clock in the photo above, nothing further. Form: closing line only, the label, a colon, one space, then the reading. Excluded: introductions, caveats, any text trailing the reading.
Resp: 4:38
